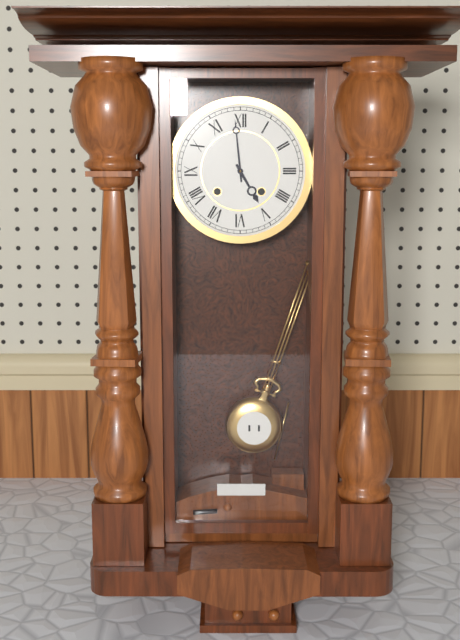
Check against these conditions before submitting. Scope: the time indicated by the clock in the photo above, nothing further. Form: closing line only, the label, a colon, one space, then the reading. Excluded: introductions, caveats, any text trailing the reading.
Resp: 4:59
